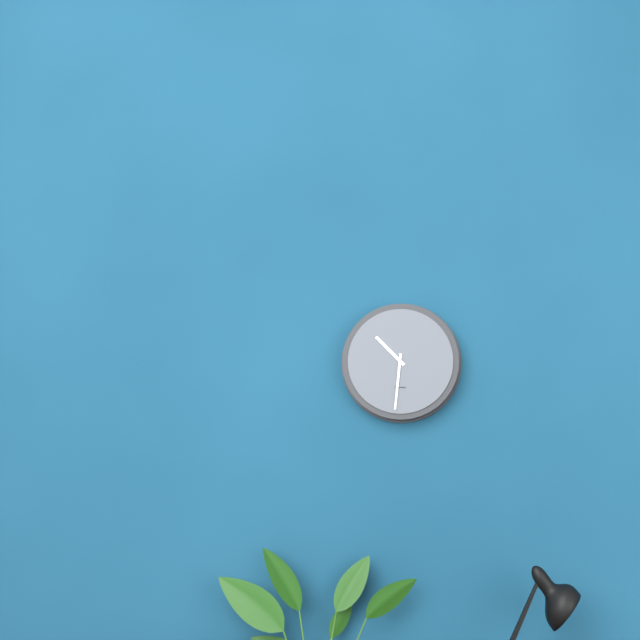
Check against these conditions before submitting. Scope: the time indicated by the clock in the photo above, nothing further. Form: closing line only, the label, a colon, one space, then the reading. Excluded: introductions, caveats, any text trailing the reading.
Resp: 10:31
